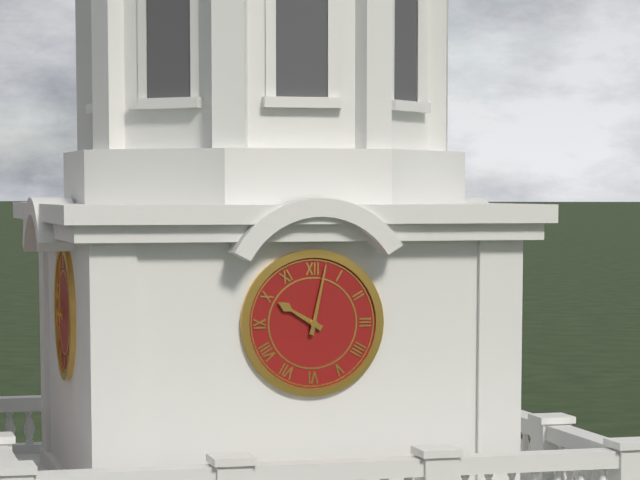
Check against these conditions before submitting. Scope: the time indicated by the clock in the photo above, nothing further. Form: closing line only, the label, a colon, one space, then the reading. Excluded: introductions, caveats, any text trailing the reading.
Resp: 10:02
